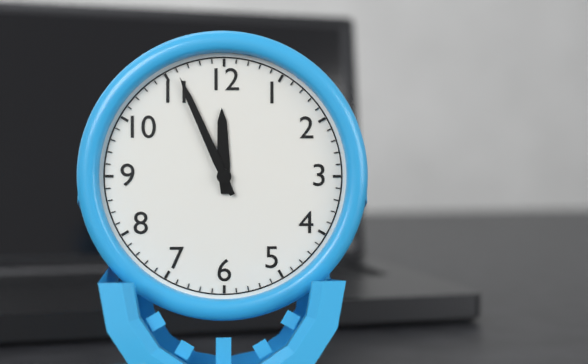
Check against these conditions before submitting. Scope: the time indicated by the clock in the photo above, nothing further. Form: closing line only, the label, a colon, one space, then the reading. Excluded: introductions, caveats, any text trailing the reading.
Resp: 11:56
